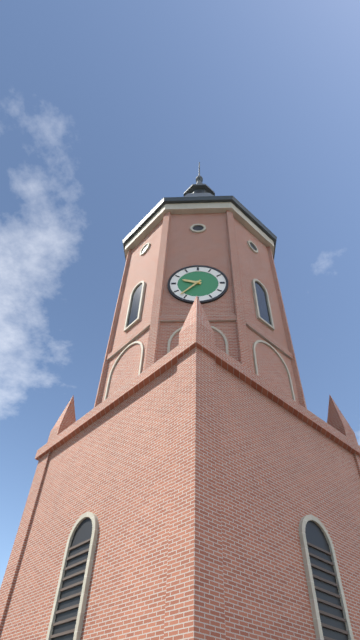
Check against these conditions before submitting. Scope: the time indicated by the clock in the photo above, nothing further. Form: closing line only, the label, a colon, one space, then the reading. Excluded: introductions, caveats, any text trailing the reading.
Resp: 9:37
